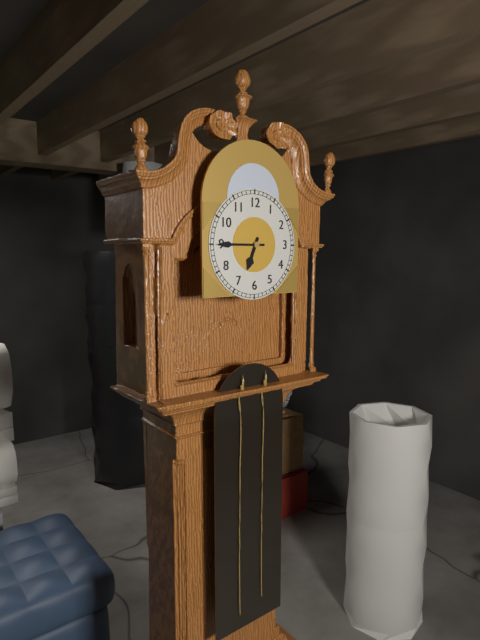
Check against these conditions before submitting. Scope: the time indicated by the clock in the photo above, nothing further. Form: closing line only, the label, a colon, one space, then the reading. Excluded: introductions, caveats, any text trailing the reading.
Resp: 6:45
